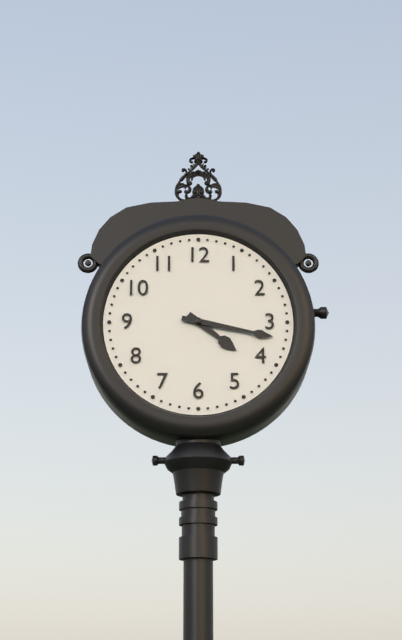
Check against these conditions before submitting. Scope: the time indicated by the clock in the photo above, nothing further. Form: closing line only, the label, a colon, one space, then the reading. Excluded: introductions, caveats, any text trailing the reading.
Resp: 4:17
